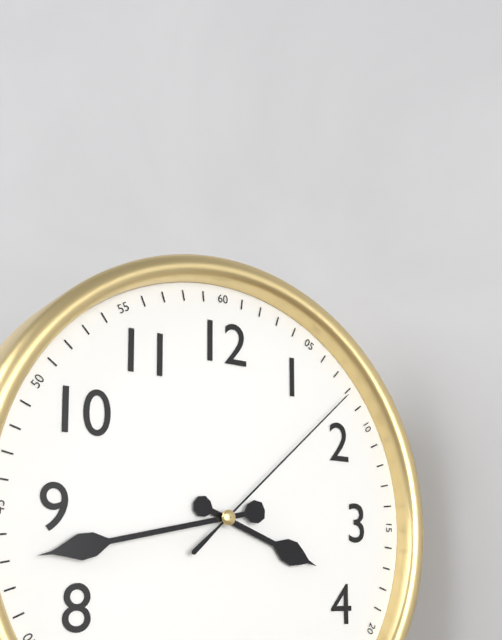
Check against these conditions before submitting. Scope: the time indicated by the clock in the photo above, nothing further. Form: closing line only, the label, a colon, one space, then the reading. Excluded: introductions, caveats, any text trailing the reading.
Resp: 3:43:08
